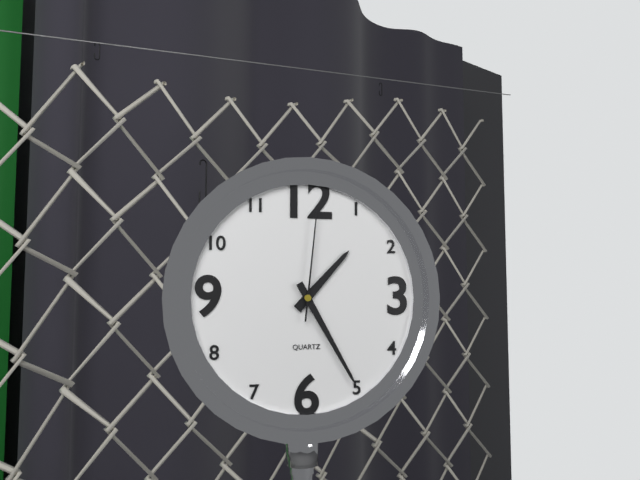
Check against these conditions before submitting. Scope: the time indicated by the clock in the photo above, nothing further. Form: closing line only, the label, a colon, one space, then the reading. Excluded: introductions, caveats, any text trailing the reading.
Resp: 1:25:01
